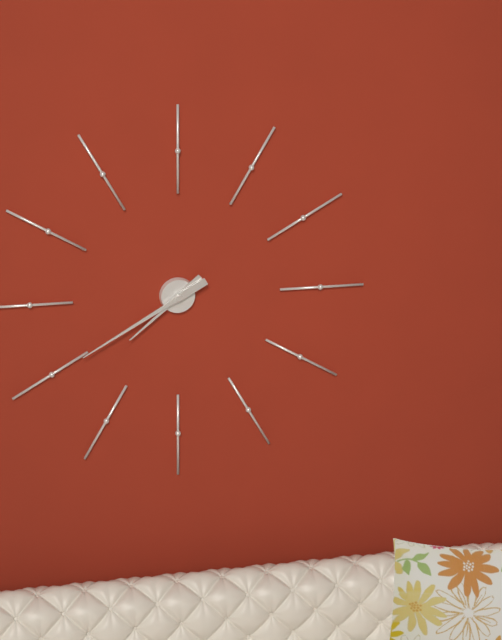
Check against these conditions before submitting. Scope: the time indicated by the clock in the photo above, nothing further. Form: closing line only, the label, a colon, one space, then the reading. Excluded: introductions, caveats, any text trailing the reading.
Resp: 7:40
